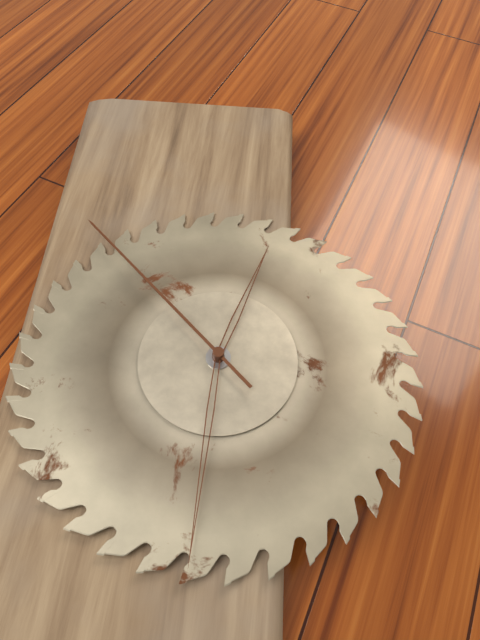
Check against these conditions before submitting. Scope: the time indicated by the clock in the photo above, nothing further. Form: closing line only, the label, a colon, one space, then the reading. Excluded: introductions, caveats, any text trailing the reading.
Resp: 12:30:52
